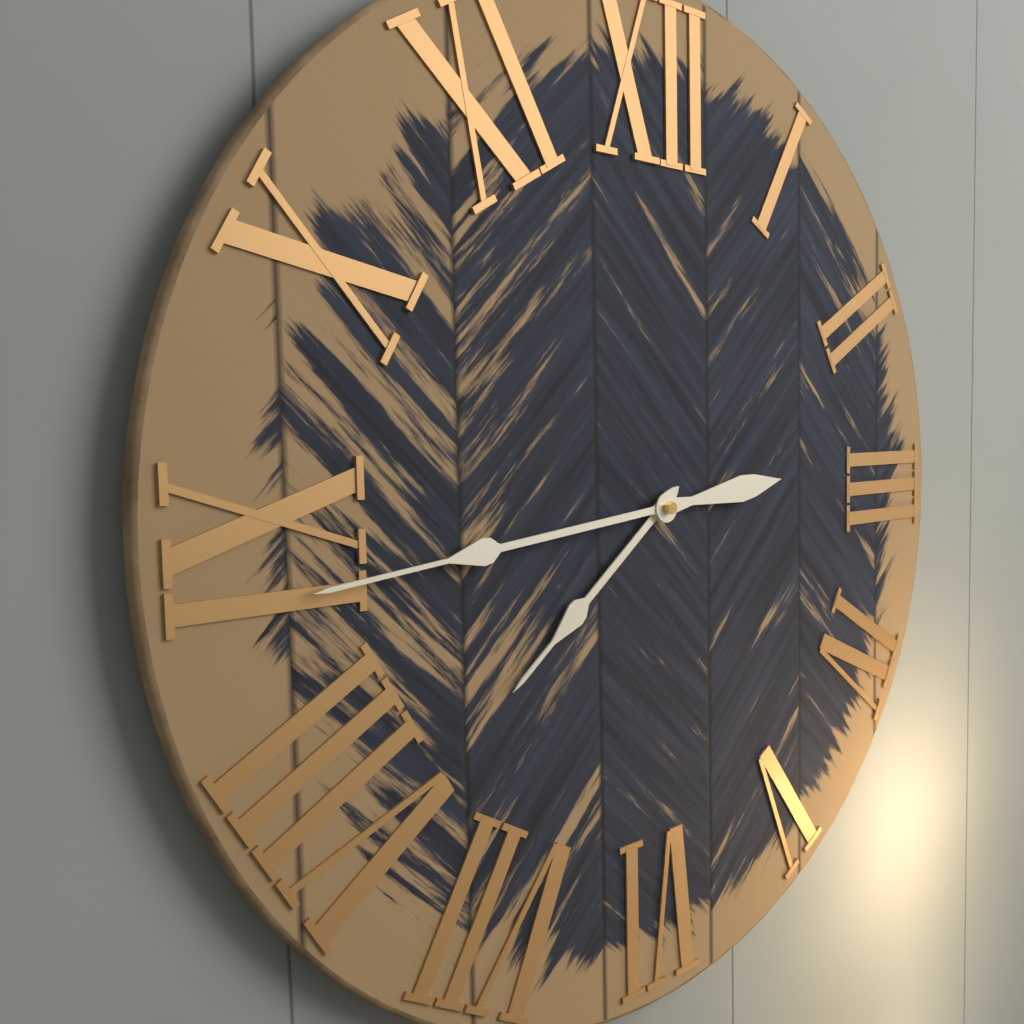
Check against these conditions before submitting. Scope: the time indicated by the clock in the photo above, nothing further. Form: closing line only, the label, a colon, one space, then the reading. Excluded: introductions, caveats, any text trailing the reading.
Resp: 7:44
